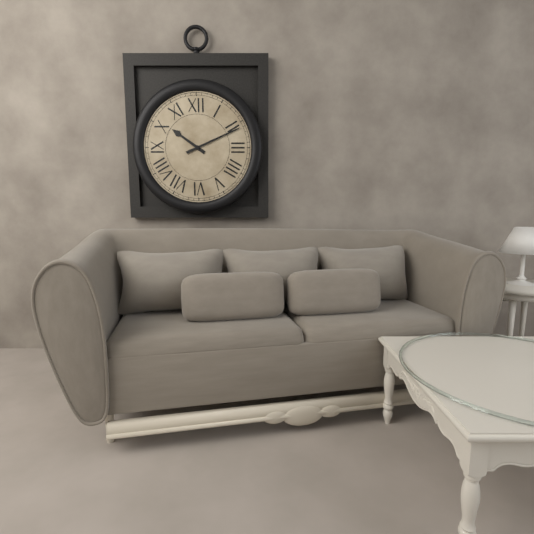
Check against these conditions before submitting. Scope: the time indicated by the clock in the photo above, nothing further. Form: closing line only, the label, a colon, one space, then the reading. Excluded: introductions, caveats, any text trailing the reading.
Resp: 10:11
